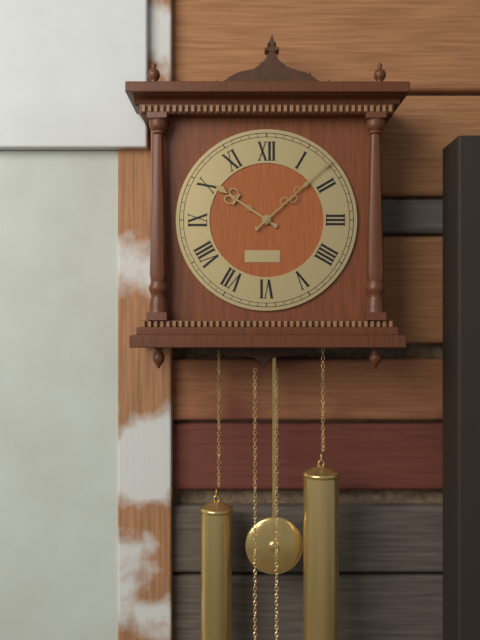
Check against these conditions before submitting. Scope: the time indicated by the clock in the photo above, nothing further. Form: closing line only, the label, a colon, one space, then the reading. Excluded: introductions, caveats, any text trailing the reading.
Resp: 10:08
